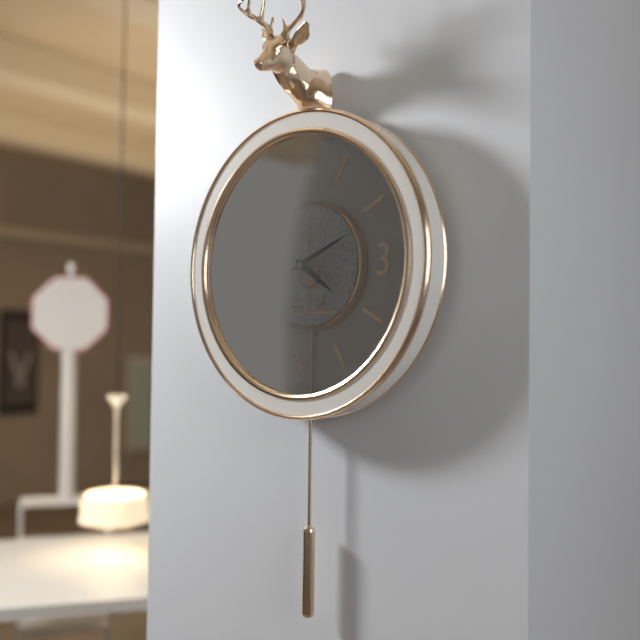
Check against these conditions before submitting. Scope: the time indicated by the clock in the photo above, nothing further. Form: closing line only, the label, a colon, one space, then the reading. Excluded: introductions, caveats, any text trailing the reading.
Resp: 4:11
